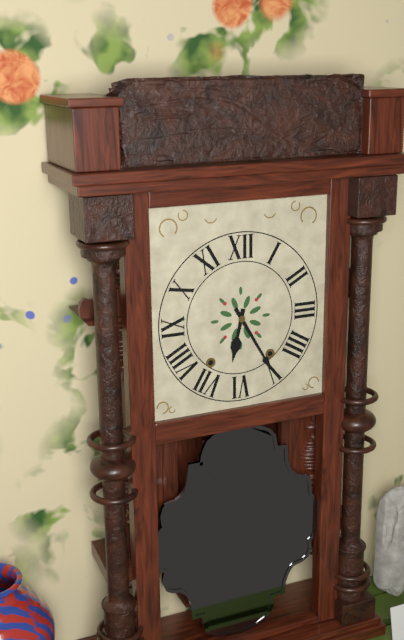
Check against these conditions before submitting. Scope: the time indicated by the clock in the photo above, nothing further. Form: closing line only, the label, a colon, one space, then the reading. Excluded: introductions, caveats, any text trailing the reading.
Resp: 6:25
